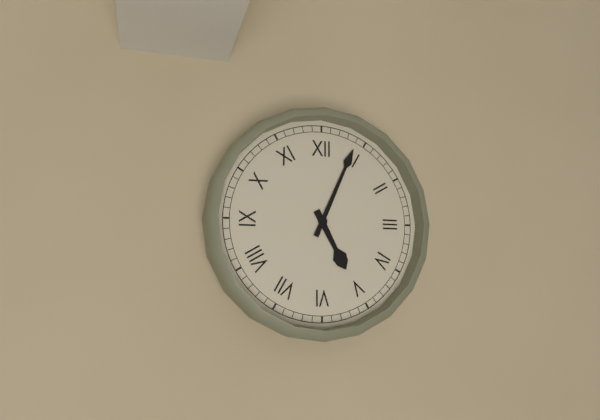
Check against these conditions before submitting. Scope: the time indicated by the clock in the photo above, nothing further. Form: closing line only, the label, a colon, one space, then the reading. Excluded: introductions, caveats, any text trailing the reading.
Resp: 5:04
